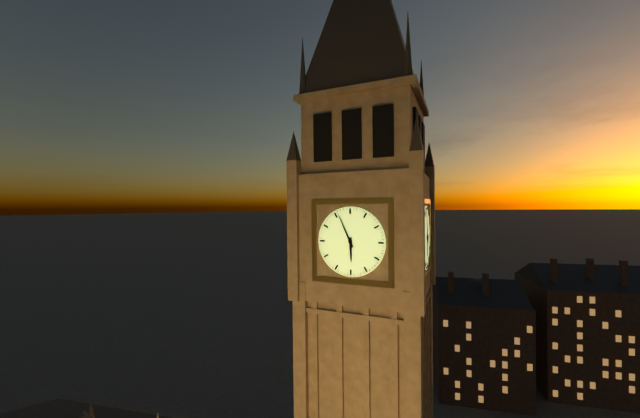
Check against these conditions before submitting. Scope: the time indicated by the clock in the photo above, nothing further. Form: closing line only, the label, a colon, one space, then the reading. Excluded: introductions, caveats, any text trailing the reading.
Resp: 5:56
